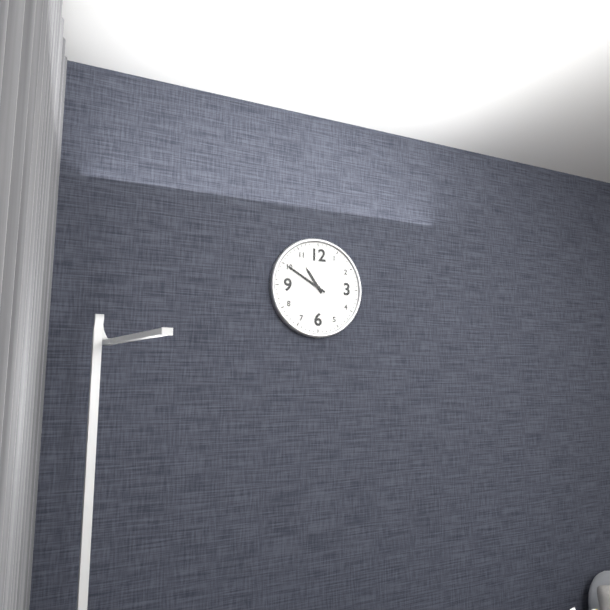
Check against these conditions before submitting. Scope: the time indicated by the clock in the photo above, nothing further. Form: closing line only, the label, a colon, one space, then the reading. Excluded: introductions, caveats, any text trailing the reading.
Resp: 10:50
